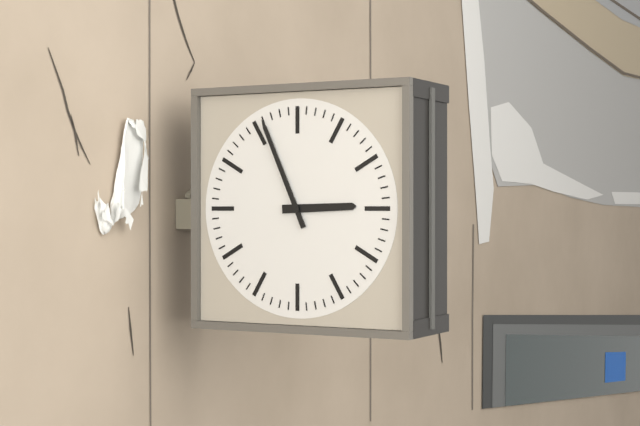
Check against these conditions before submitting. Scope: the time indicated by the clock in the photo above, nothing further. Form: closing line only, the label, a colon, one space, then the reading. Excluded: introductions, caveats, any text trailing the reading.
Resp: 2:56
